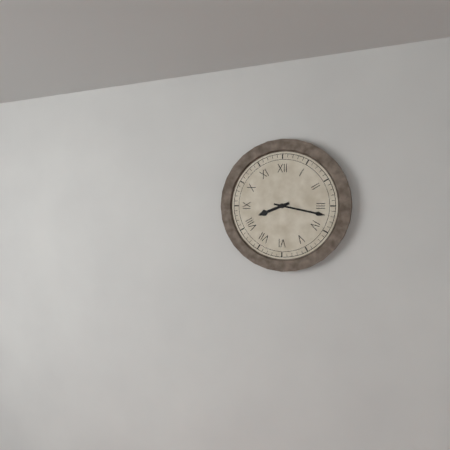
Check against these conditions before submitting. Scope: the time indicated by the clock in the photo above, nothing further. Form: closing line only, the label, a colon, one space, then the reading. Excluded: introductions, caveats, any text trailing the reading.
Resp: 8:17
